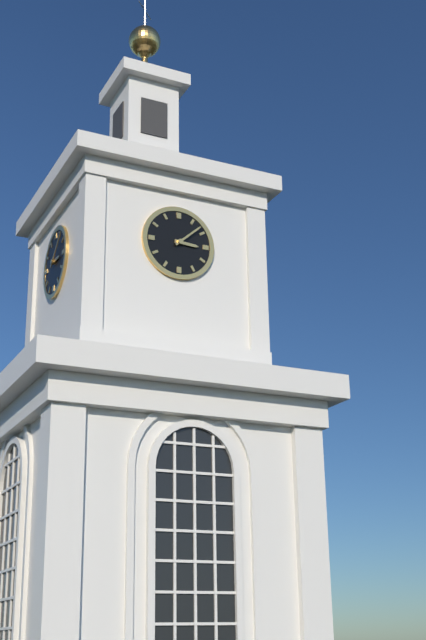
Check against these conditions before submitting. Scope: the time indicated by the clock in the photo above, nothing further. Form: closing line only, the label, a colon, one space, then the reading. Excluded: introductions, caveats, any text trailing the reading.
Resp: 3:08
